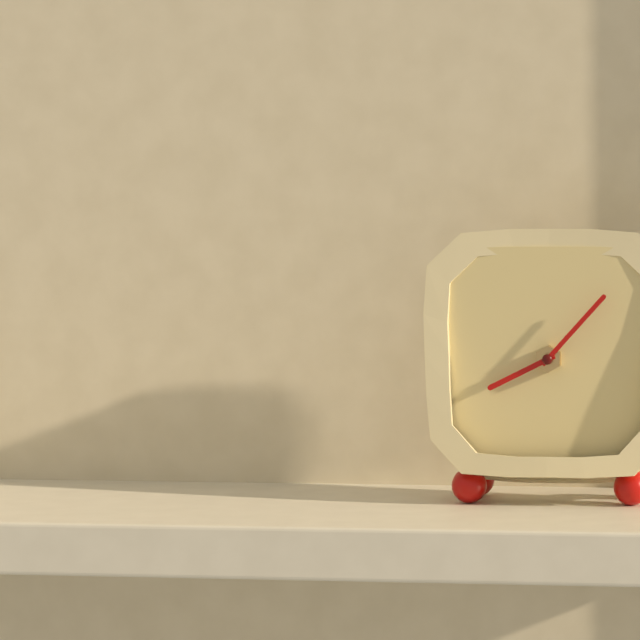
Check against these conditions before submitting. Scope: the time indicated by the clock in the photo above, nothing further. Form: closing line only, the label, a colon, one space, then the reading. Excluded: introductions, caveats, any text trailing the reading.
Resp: 8:07
